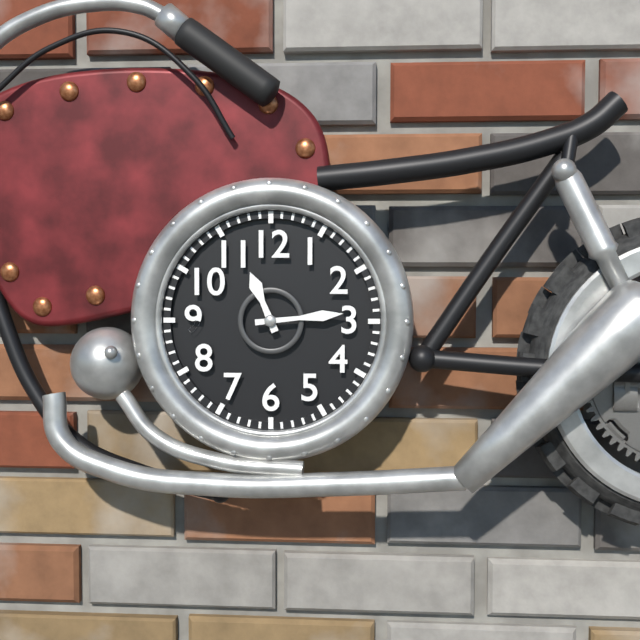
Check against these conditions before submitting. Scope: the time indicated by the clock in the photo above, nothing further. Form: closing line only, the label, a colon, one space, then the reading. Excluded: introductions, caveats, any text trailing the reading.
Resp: 11:14
